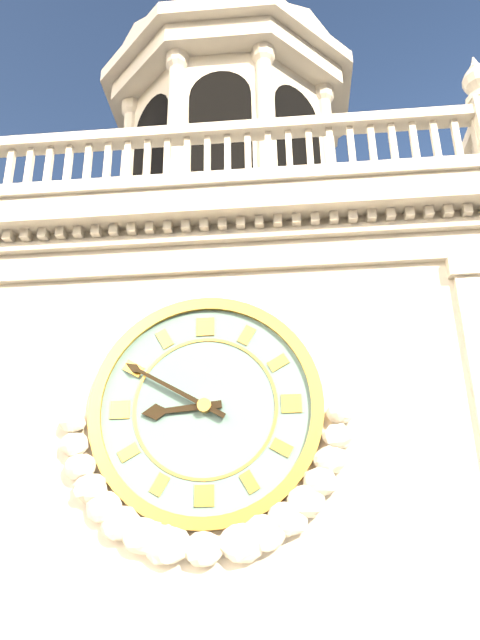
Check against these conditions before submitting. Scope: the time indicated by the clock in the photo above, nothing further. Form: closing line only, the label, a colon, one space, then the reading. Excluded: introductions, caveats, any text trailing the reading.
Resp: 8:50
